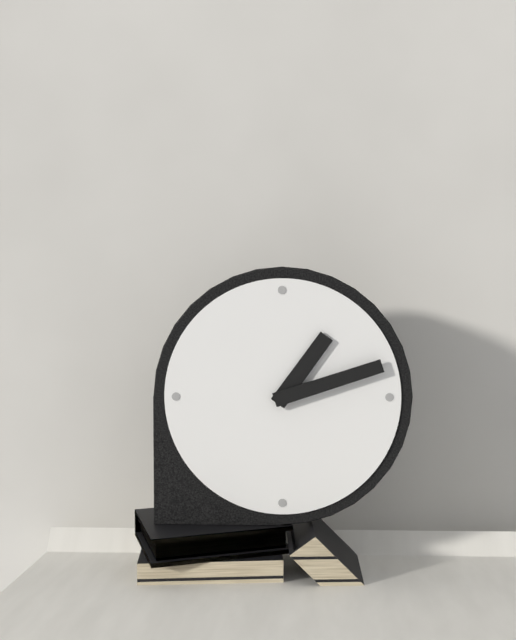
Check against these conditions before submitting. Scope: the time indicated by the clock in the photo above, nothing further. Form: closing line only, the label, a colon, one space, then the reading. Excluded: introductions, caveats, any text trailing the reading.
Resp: 1:12
